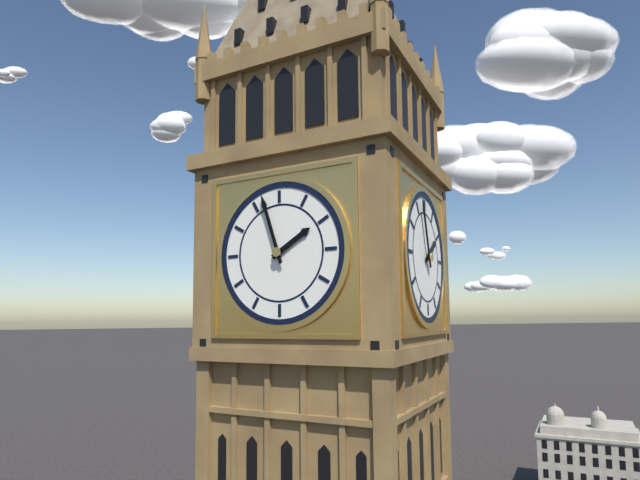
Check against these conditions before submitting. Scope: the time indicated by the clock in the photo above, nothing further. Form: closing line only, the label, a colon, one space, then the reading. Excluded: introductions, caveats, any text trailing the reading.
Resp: 1:57
